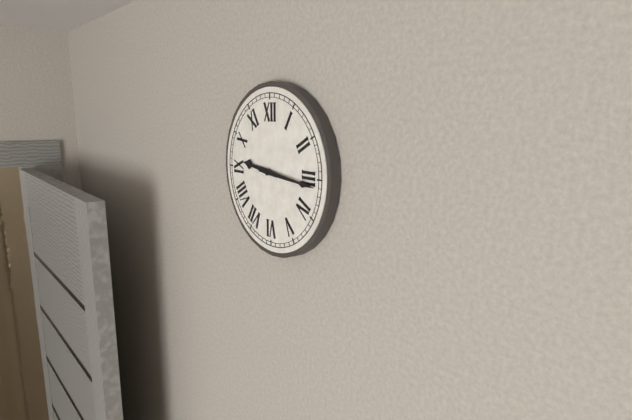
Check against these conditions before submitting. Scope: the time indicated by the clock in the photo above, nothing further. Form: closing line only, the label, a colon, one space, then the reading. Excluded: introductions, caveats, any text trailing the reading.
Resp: 9:16
